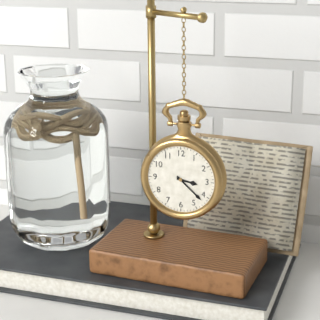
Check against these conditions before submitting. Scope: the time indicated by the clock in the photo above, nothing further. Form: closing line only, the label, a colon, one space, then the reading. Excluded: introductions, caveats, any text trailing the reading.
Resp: 3:22
